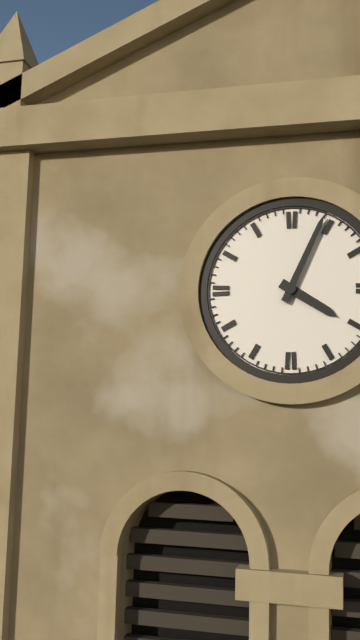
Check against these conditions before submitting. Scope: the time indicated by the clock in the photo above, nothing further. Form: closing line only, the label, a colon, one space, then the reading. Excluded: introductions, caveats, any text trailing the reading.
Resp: 4:04
